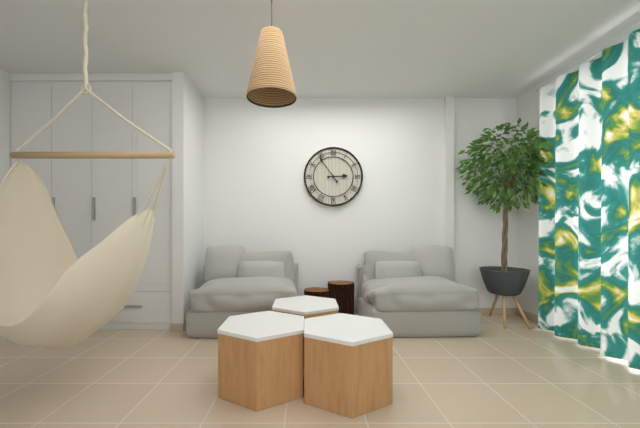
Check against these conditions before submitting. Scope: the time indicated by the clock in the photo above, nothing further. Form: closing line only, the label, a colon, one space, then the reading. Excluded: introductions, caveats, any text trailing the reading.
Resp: 2:54
